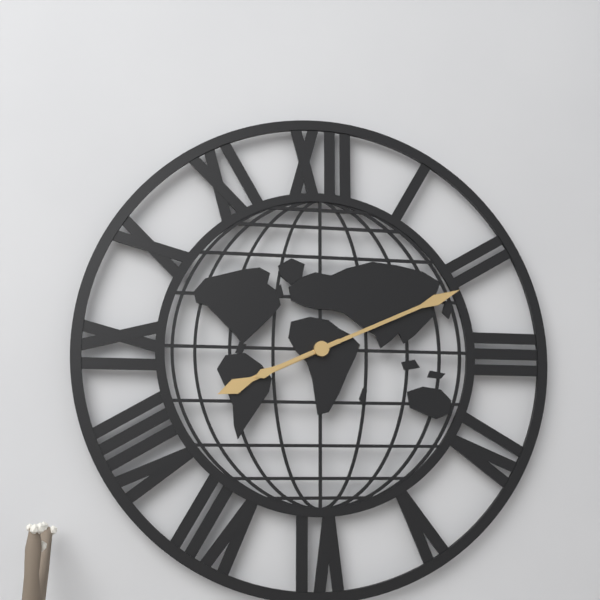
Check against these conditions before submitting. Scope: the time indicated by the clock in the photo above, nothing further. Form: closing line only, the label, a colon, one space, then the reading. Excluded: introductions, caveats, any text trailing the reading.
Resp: 8:11
